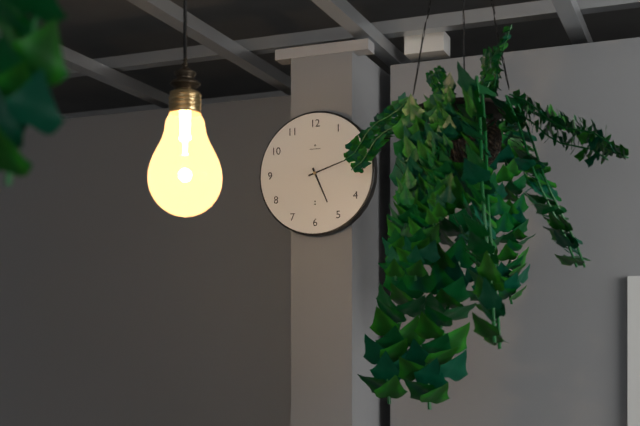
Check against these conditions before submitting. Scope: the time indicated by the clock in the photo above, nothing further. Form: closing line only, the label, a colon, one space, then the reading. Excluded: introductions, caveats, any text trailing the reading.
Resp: 5:12
